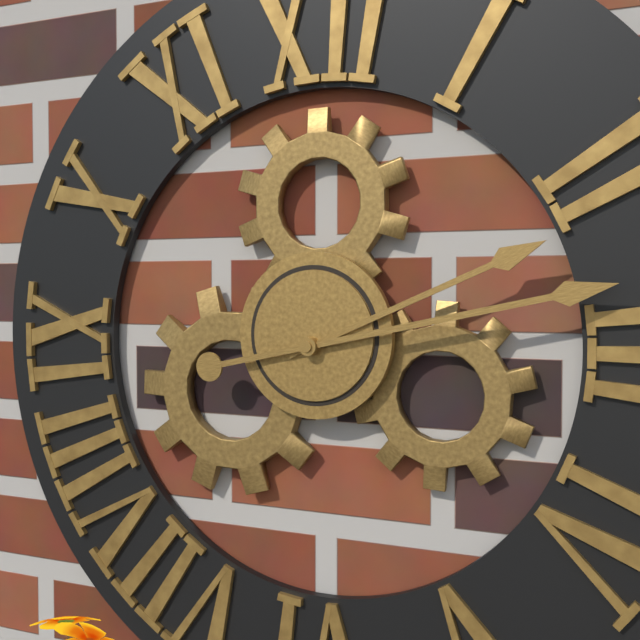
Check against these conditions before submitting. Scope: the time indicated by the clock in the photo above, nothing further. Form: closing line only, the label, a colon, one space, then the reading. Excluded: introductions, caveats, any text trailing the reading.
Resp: 2:13
